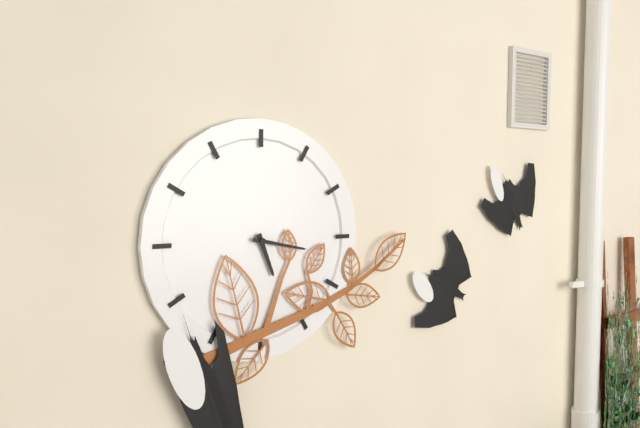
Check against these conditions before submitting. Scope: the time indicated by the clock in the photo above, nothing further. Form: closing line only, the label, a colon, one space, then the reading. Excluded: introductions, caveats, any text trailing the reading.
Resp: 5:17
